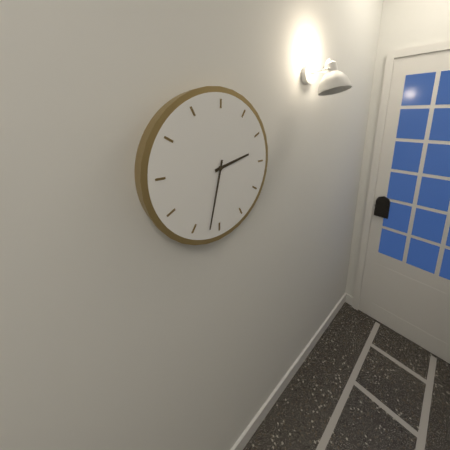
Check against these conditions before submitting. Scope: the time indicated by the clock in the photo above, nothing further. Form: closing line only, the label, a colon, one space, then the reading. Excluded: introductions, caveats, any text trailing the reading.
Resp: 2:32
